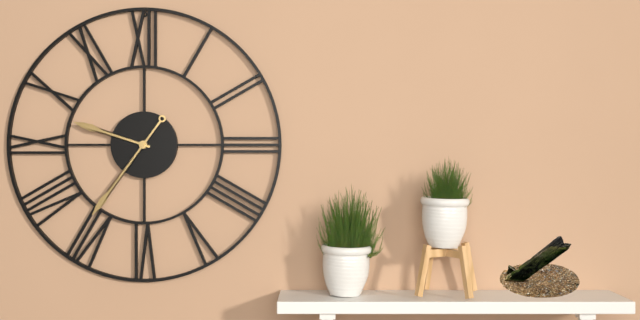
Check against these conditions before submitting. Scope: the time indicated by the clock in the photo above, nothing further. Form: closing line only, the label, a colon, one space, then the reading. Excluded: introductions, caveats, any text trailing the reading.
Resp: 9:36
